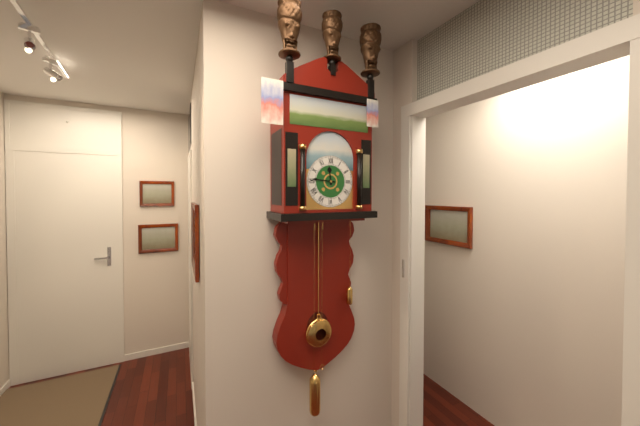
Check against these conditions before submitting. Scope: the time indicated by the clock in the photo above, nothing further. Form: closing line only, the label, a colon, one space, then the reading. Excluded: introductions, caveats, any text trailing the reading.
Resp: 11:46
